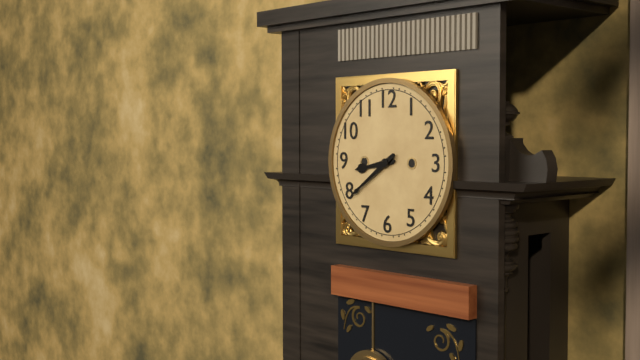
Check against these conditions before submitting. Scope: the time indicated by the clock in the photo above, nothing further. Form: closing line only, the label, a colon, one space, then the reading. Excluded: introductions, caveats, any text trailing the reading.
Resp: 8:39
